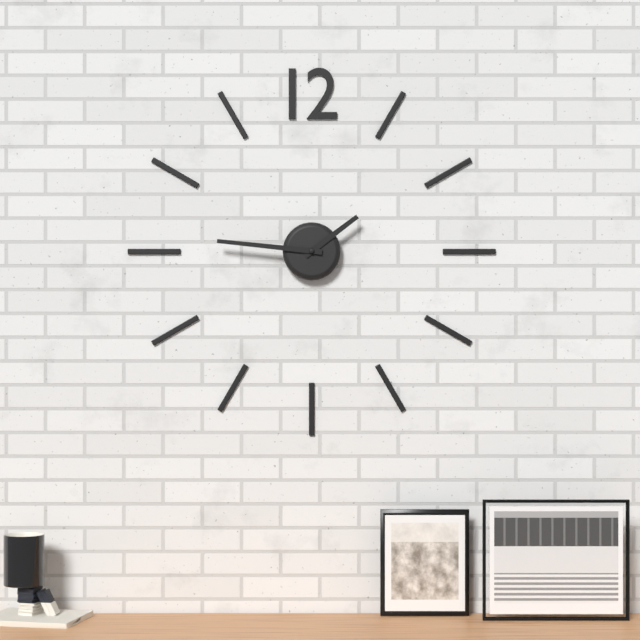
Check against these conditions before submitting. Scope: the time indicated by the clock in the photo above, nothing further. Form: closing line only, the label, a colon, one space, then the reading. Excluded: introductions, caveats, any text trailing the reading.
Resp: 1:46
